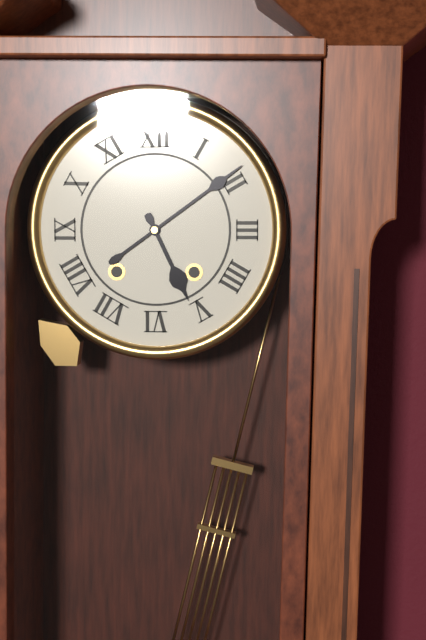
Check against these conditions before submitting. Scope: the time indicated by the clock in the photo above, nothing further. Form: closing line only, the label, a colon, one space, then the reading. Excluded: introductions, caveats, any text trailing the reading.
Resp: 5:09
